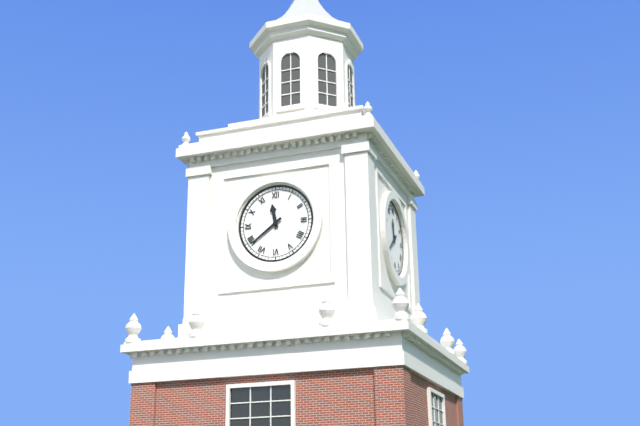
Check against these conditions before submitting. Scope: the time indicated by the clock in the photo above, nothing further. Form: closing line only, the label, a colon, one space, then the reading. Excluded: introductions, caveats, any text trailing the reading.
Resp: 11:39
